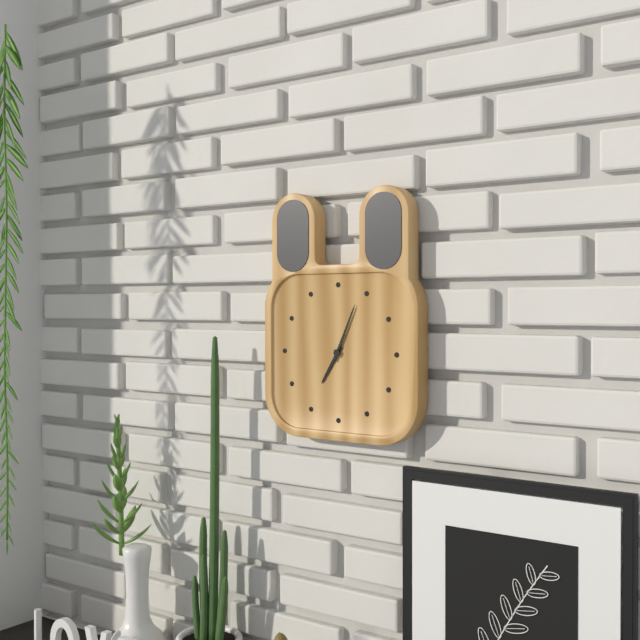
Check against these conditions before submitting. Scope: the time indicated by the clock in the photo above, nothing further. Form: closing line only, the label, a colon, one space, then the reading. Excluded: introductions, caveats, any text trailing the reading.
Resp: 7:04
